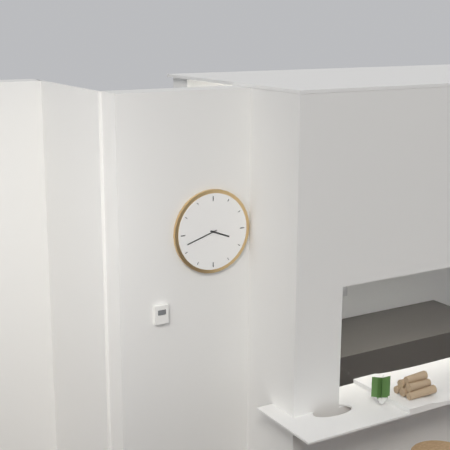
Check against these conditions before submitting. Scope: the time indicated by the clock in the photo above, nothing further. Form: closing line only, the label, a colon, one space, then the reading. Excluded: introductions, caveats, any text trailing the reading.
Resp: 3:42
